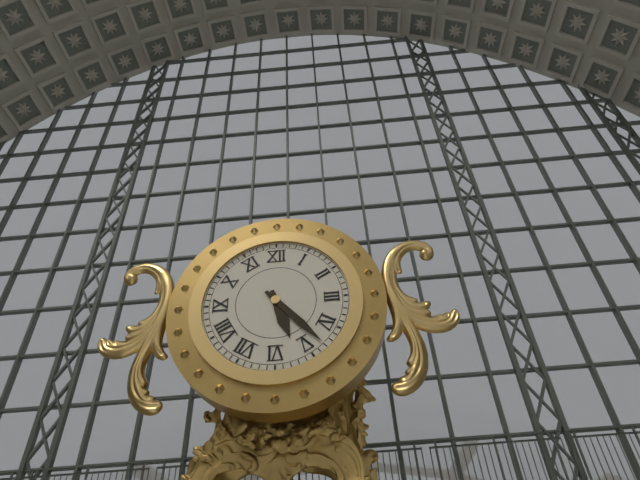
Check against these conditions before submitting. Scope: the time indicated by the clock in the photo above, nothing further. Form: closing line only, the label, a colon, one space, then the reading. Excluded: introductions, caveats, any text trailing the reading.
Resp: 5:23
